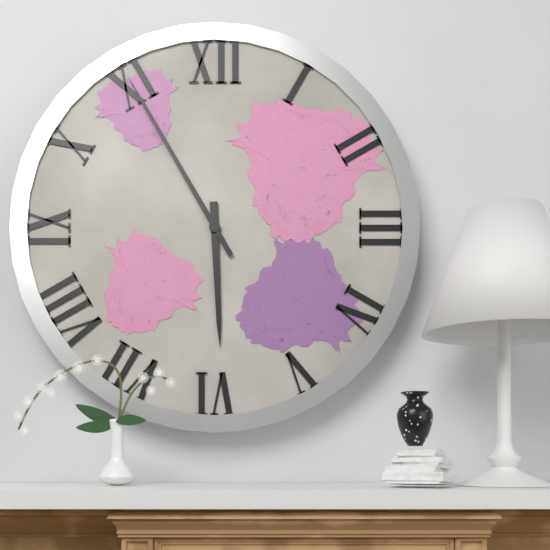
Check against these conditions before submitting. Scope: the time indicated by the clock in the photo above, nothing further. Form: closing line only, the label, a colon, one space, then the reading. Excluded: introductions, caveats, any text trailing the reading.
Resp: 5:55
